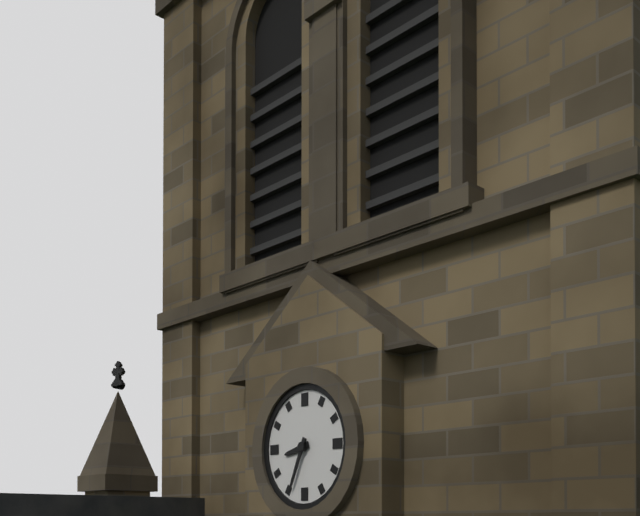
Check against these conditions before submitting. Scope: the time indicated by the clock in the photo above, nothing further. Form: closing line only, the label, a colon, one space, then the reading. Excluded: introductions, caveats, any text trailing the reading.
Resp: 8:34
